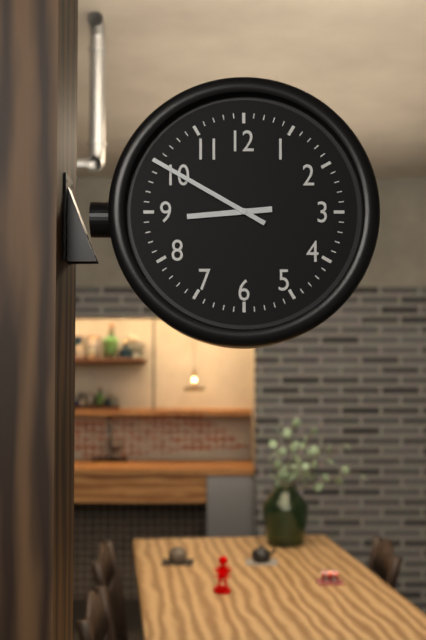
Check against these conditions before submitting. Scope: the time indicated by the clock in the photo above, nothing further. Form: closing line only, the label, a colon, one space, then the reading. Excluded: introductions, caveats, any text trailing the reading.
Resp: 8:50
